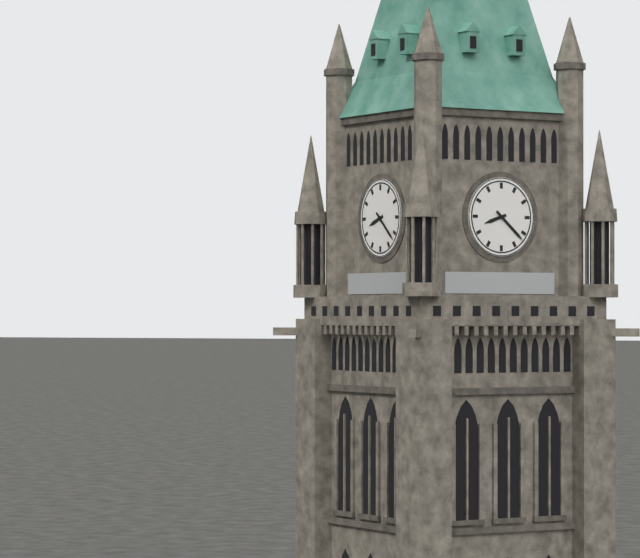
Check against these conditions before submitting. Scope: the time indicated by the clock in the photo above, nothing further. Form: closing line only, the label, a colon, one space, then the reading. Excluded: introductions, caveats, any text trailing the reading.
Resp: 8:22
